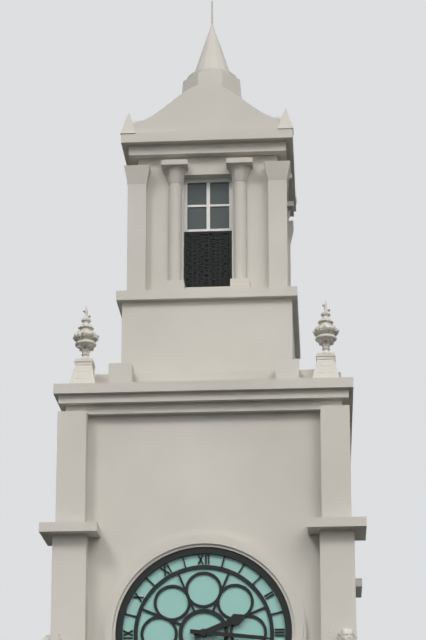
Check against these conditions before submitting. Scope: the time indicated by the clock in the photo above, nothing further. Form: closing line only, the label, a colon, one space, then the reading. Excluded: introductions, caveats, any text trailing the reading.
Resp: 2:16
